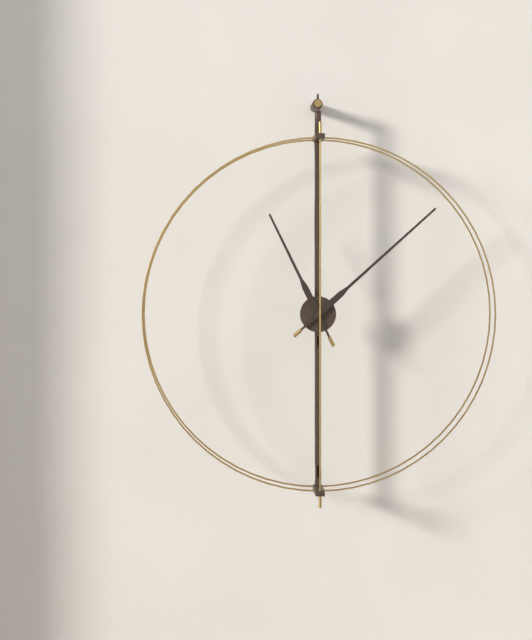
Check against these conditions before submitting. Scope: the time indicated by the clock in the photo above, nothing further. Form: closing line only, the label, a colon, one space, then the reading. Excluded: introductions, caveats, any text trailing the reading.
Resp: 11:08
